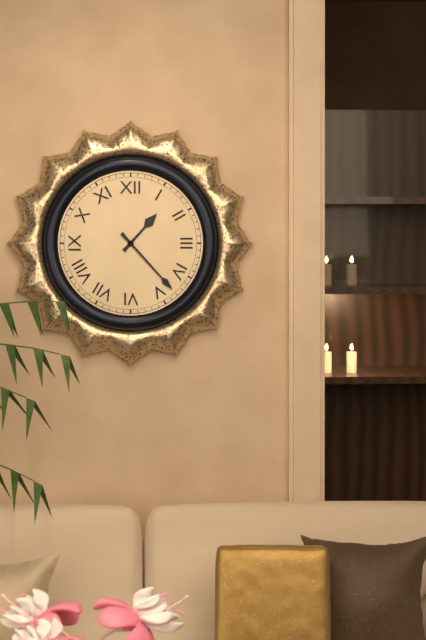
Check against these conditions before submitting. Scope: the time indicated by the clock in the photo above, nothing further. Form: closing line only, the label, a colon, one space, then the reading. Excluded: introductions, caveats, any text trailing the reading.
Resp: 1:23
